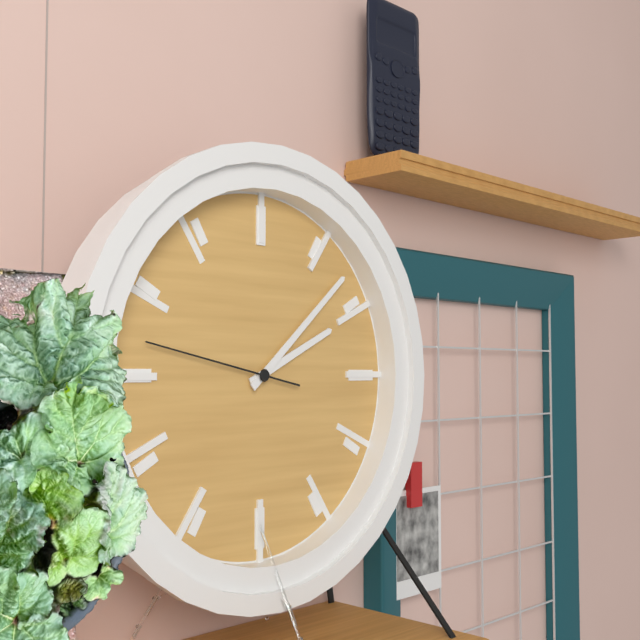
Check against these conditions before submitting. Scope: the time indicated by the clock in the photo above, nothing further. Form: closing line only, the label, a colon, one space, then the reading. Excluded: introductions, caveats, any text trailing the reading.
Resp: 2:08:47
